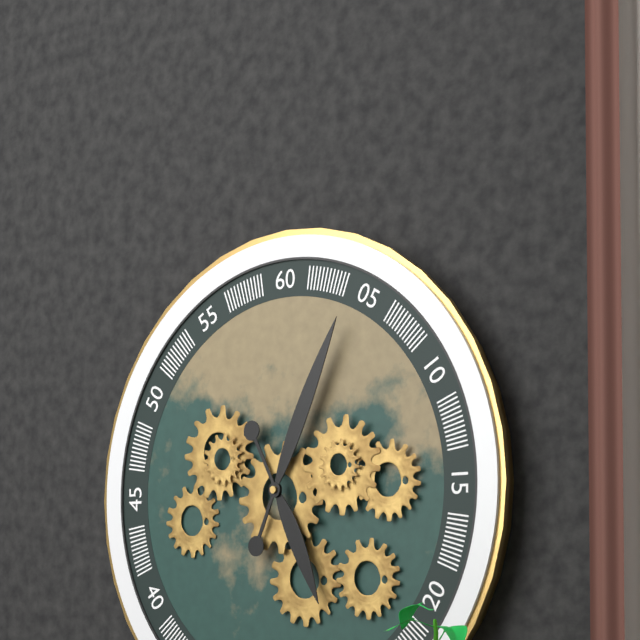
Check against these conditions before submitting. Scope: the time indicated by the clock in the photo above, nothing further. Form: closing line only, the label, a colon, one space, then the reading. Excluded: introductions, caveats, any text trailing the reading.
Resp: 5:04
